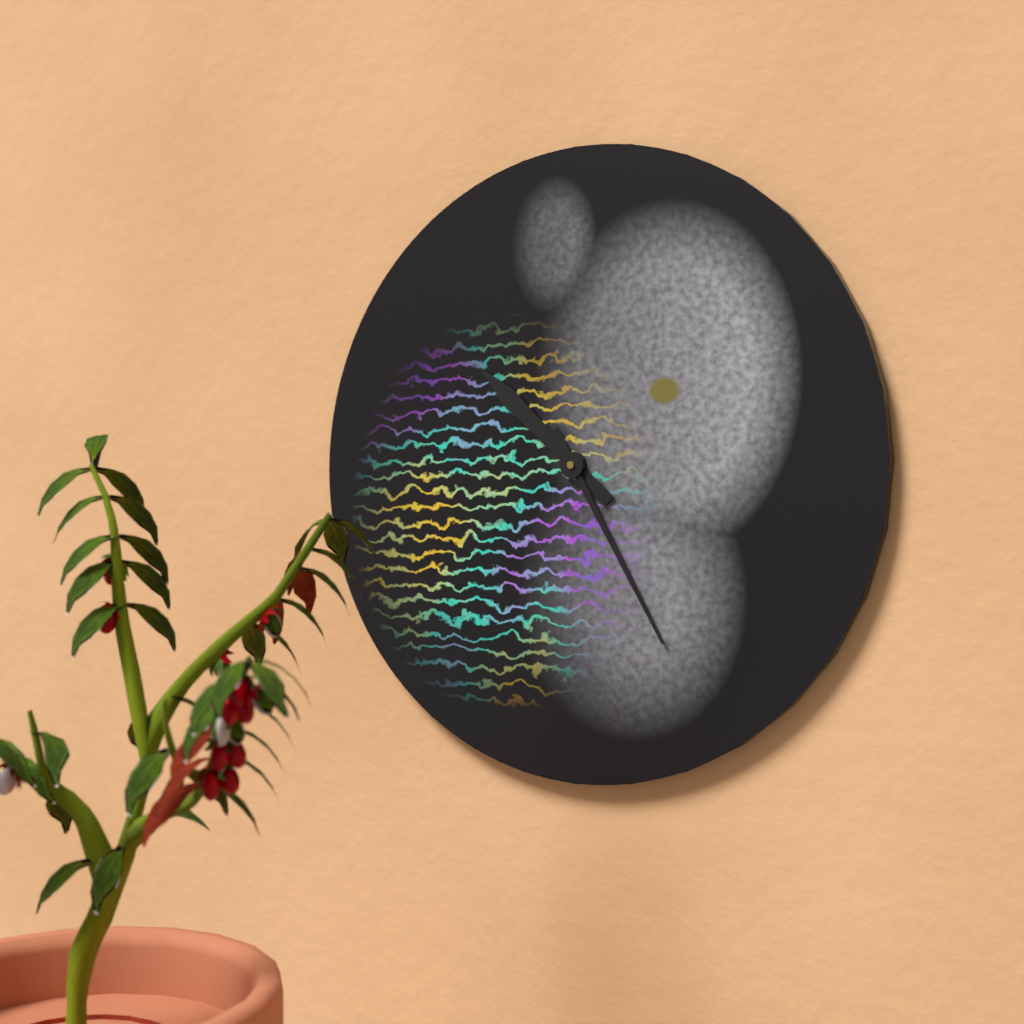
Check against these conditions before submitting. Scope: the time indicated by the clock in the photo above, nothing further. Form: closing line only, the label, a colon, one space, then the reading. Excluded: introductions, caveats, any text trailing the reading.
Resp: 10:25
